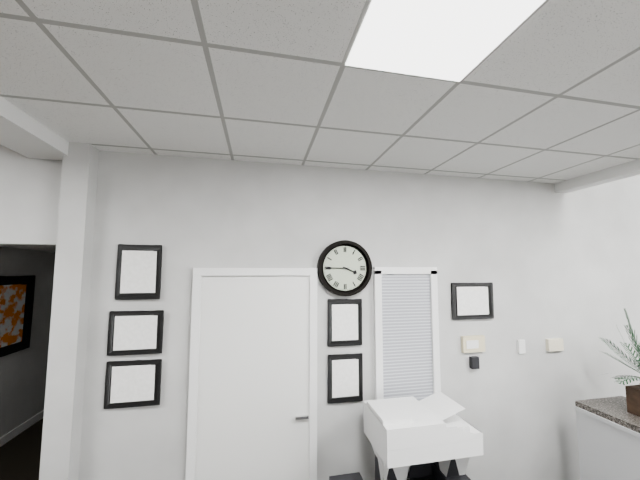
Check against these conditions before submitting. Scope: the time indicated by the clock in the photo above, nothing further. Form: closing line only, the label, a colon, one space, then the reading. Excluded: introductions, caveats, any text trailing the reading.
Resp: 3:45
